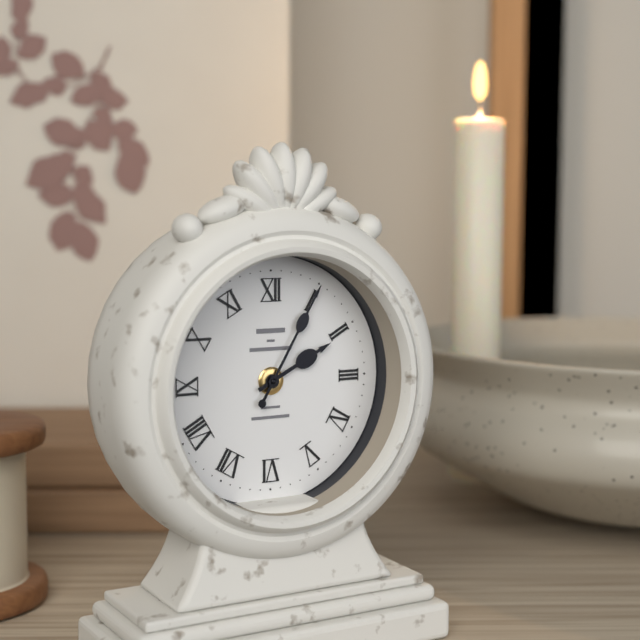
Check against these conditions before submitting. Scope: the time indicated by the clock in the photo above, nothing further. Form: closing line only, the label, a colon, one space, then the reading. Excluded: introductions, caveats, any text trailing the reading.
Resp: 2:05
